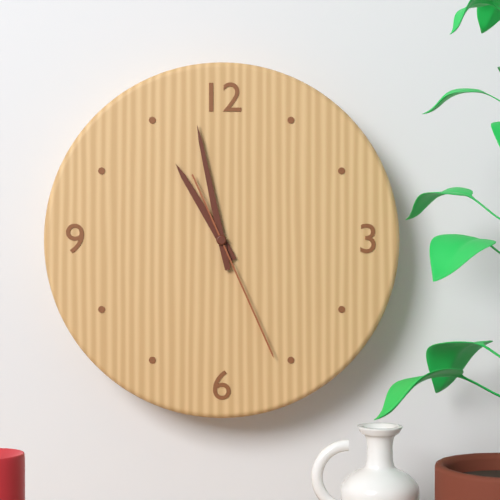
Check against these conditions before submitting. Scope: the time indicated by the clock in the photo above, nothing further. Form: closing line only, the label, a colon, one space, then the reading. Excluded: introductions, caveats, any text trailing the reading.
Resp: 10:58:26
